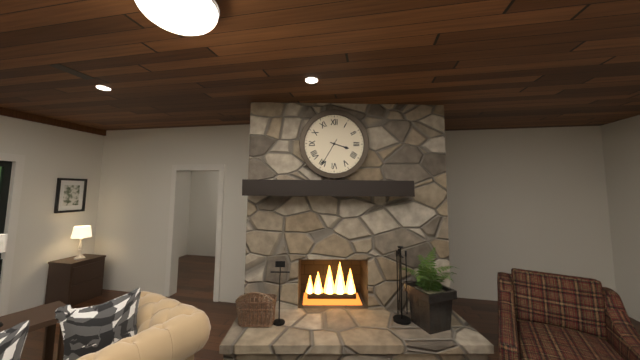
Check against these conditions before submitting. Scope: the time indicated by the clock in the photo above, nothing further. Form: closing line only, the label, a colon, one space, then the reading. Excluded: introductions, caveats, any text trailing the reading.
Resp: 3:35
